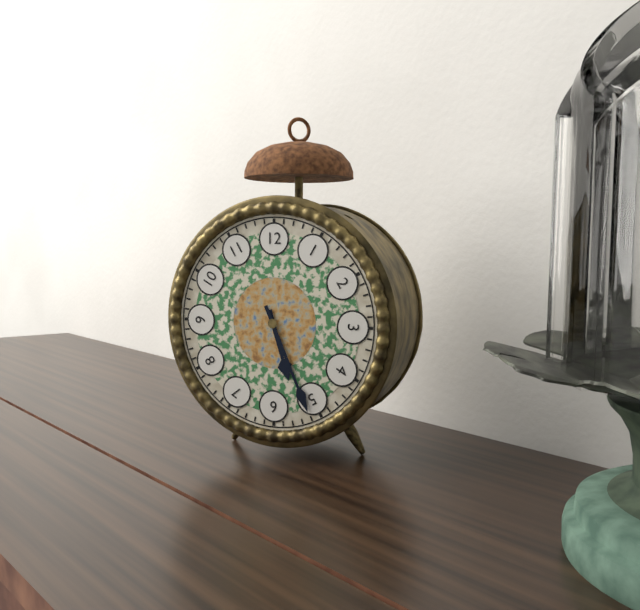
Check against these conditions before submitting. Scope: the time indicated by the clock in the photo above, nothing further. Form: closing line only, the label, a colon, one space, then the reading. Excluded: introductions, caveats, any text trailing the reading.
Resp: 5:26
